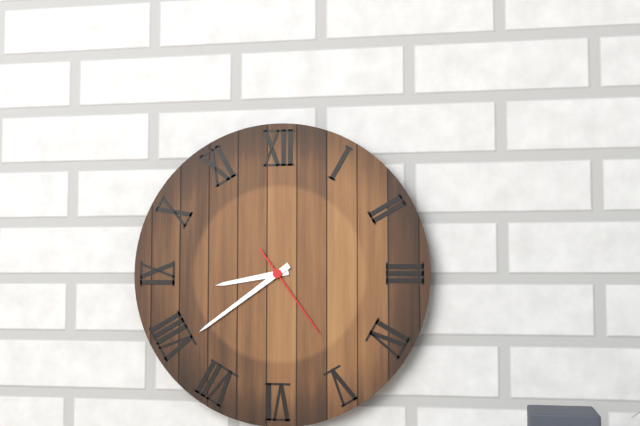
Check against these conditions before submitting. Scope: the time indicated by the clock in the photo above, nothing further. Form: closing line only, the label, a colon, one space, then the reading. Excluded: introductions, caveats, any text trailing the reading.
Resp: 8:39:24
